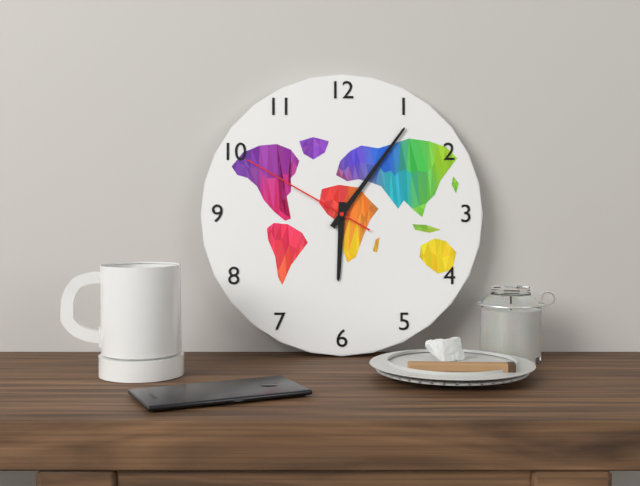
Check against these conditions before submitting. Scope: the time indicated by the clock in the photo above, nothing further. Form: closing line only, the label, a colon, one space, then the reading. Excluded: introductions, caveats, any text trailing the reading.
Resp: 6:06:50
